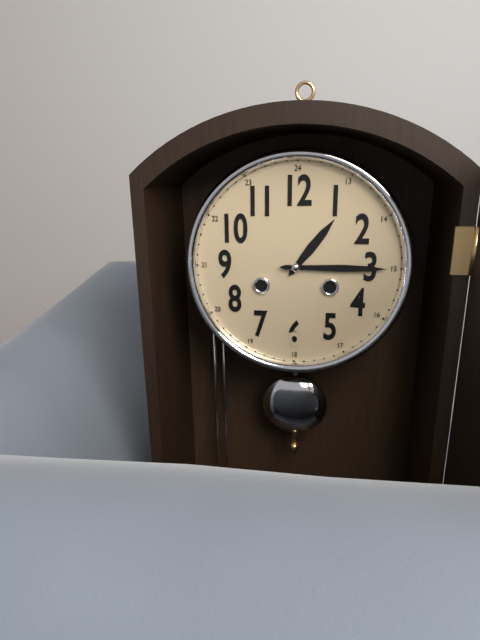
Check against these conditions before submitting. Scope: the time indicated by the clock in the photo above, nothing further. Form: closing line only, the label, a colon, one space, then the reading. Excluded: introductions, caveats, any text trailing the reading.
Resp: 1:15
